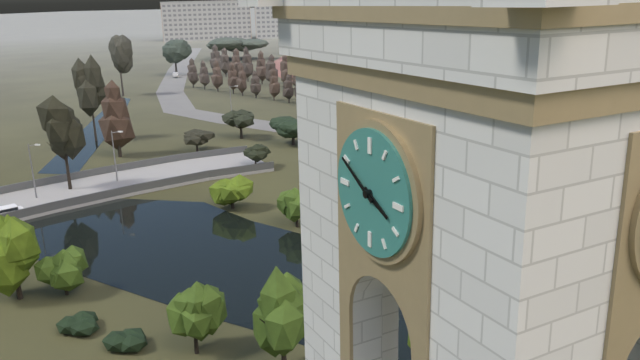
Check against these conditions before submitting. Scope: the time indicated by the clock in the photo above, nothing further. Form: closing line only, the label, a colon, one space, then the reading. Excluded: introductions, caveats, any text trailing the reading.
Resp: 3:50
